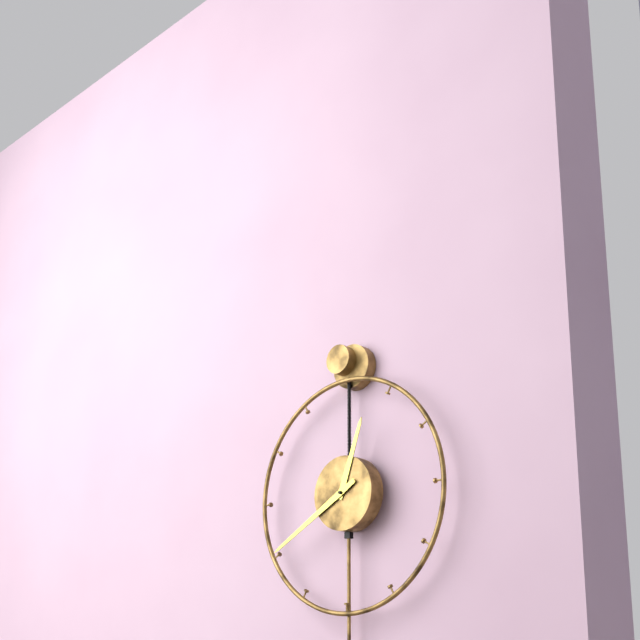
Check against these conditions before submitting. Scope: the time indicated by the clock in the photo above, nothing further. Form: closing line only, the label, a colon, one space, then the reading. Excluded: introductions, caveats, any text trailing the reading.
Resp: 12:40
